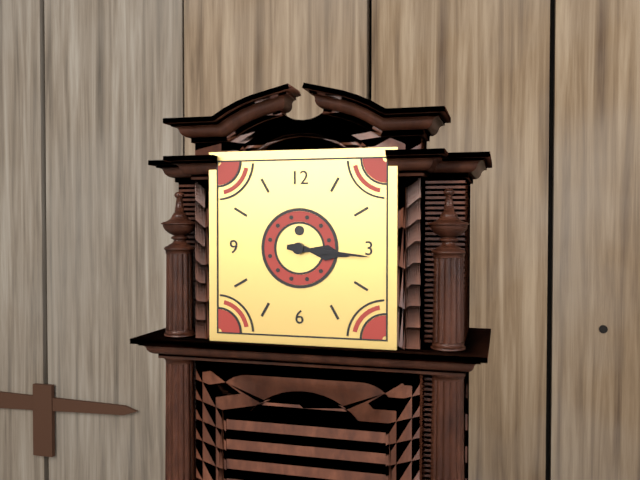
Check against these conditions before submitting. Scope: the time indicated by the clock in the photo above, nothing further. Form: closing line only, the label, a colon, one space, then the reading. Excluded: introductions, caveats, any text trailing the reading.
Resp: 3:16
